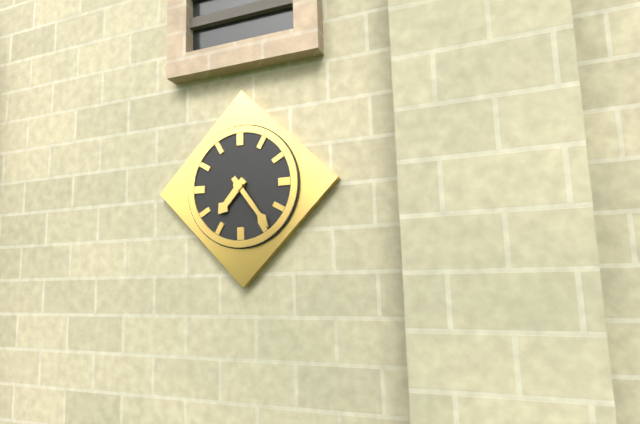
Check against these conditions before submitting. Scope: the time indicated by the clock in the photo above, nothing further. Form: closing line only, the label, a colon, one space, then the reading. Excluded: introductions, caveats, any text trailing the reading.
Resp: 7:24
